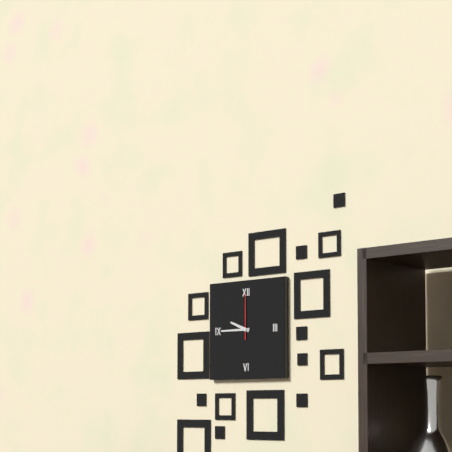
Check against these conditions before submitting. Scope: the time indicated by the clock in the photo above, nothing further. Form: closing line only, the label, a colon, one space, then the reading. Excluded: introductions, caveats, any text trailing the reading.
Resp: 9:45
